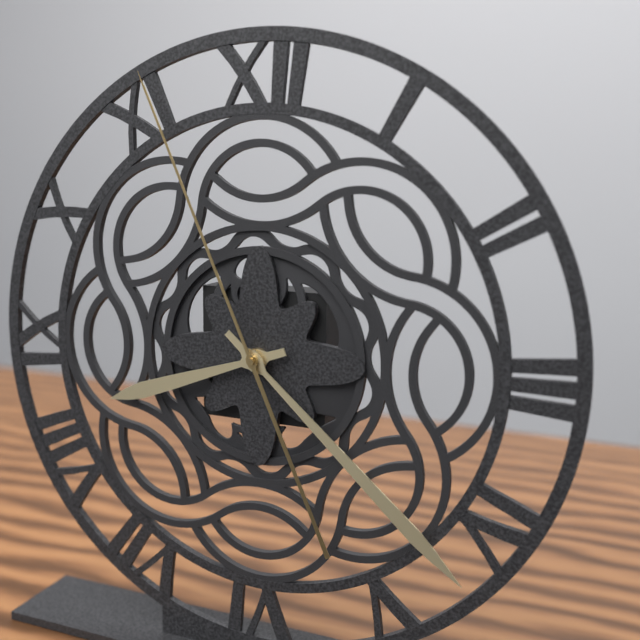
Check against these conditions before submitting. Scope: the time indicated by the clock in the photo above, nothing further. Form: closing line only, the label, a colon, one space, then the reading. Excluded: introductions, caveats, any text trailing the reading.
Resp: 8:22:56
